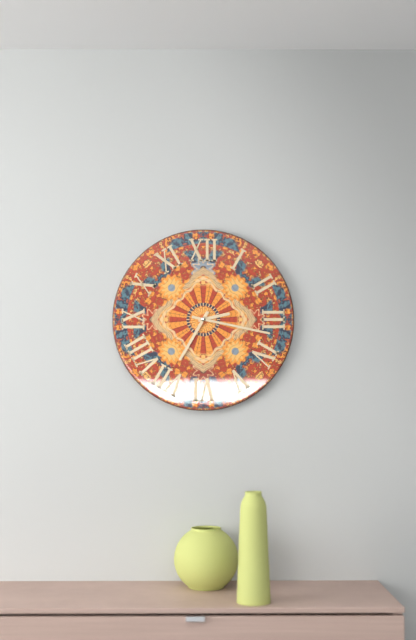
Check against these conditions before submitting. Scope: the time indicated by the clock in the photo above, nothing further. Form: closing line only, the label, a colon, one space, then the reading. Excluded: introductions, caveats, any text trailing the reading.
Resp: 2:35:17
